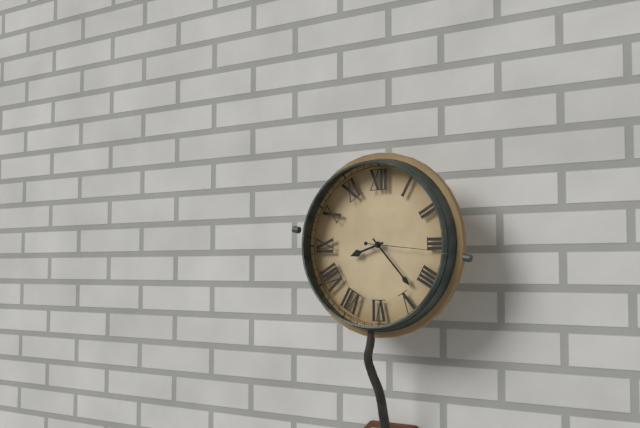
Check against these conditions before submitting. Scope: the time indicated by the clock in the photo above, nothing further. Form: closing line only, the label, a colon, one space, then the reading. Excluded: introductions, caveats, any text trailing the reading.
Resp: 8:23:16
